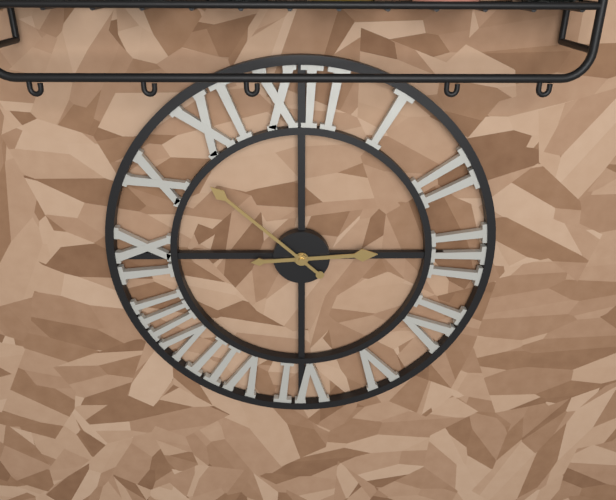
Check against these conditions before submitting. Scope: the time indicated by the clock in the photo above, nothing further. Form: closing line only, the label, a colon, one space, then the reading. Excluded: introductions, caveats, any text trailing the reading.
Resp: 2:52
